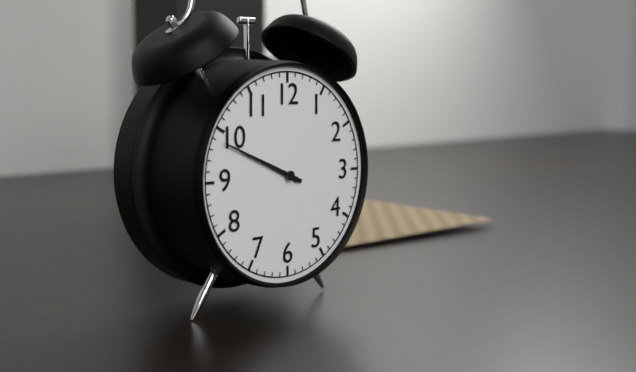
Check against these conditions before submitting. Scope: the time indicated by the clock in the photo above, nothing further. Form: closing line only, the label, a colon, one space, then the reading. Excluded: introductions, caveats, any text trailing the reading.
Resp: 9:49
